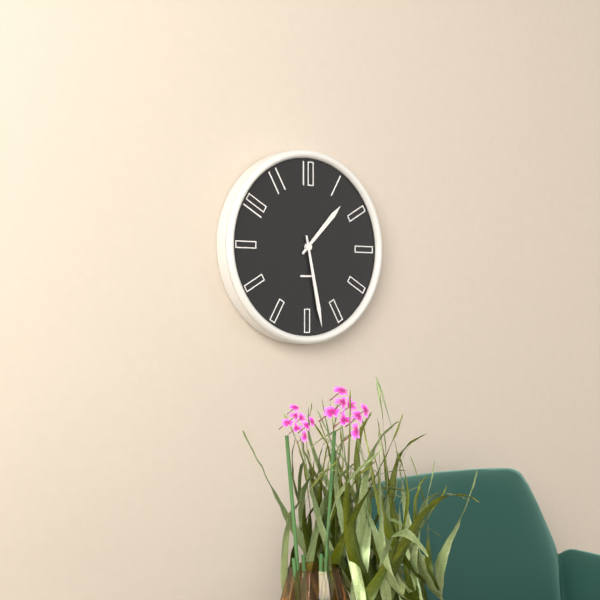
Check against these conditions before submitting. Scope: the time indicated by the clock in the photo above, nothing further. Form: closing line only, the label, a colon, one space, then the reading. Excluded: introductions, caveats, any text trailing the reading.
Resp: 1:28
